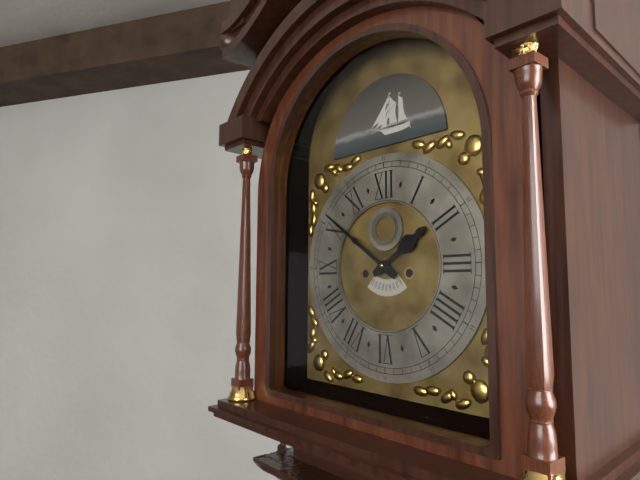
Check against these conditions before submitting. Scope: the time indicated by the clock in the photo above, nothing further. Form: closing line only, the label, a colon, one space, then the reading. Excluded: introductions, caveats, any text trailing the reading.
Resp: 1:51
